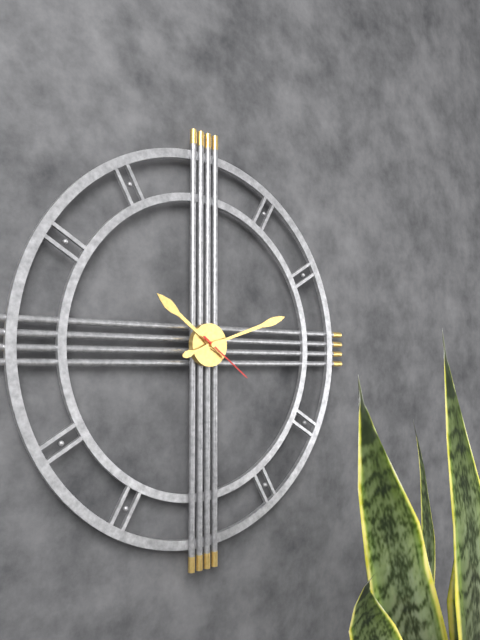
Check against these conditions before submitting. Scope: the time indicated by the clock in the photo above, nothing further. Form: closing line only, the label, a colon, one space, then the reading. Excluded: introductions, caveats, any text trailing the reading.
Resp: 10:12:21
